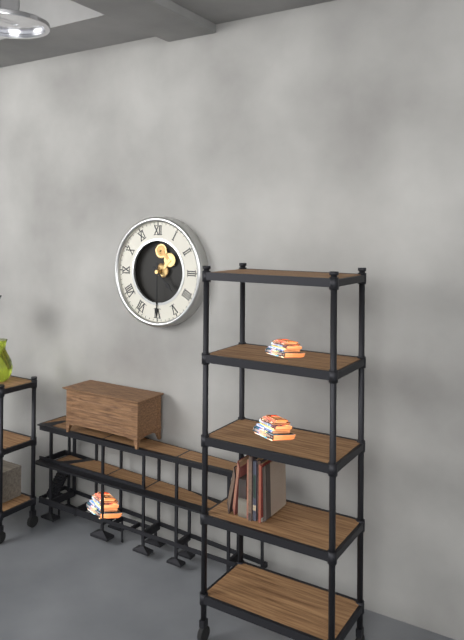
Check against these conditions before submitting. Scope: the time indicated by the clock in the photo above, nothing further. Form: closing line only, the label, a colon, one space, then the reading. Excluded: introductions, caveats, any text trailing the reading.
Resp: 4:30
